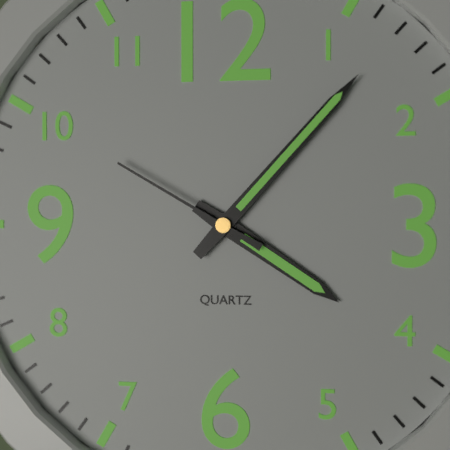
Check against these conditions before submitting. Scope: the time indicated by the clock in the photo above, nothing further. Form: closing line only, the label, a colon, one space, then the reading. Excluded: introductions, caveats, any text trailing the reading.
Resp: 4:07:50
